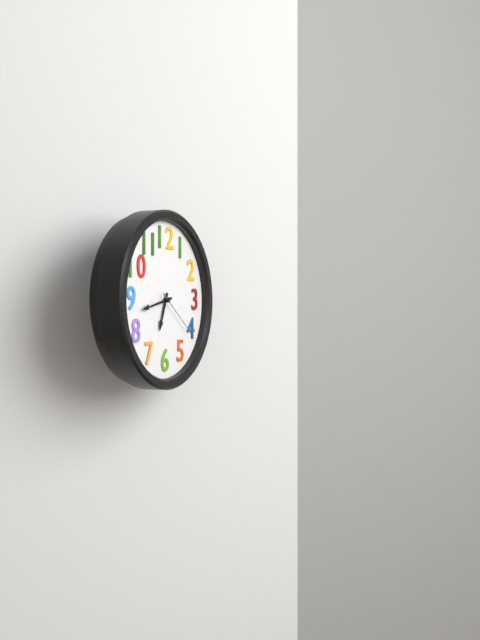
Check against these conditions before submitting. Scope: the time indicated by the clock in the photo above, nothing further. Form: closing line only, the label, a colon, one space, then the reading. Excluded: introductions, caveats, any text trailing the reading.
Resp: 6:43
